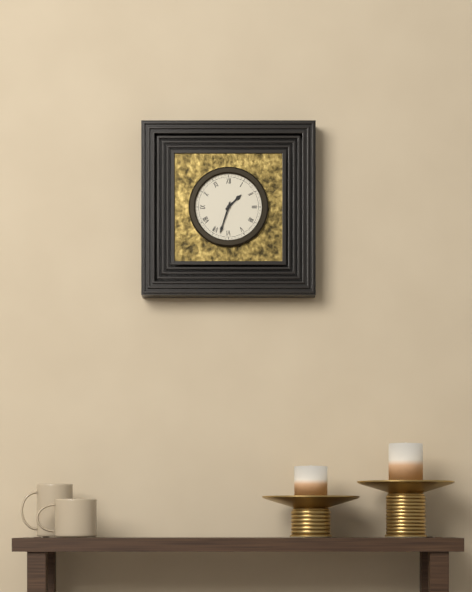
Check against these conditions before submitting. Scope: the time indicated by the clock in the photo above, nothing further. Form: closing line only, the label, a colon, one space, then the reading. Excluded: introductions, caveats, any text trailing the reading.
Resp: 1:33
